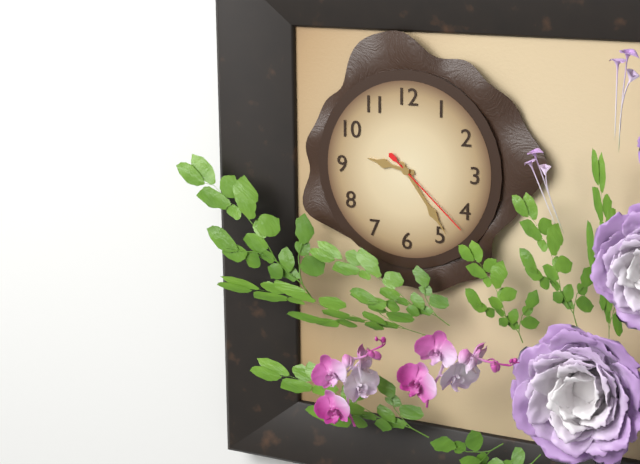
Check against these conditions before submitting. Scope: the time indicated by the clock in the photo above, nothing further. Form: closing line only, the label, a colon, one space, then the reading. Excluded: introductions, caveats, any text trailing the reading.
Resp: 9:24:22
